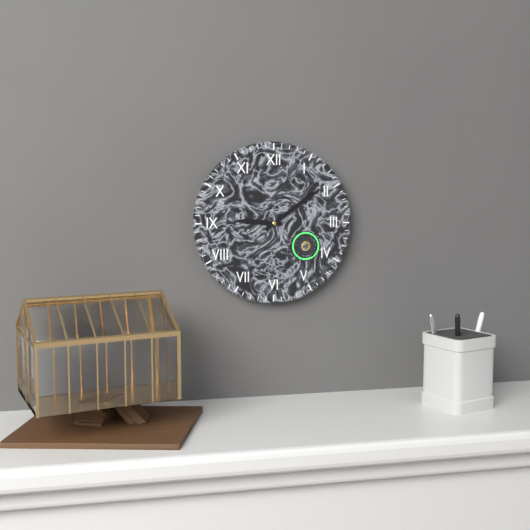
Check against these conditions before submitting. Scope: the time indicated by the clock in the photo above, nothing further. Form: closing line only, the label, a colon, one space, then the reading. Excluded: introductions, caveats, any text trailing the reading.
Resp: 9:09
